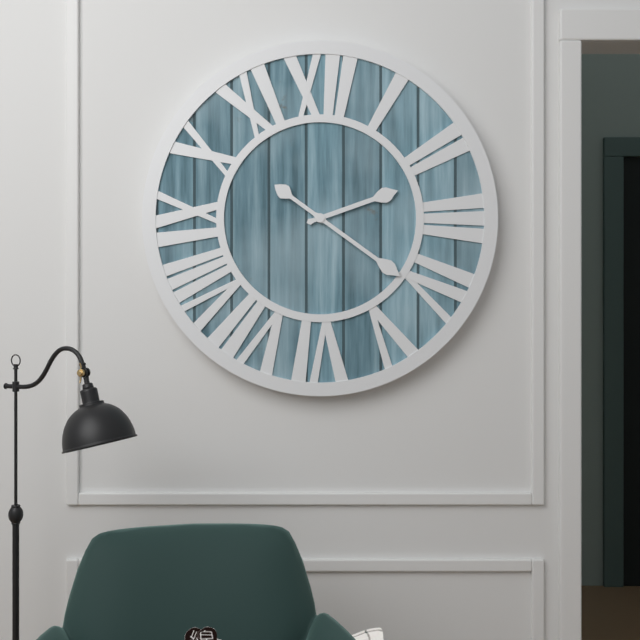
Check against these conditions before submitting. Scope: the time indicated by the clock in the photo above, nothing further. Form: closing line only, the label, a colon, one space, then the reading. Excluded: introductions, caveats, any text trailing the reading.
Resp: 2:21
